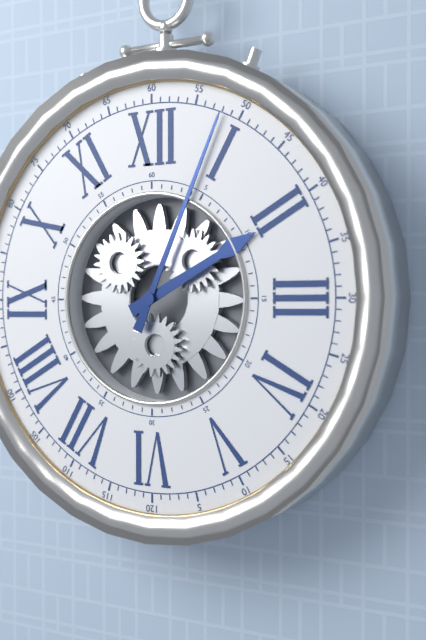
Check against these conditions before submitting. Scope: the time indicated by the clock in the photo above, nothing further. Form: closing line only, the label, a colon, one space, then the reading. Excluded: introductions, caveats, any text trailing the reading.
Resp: 2:04
